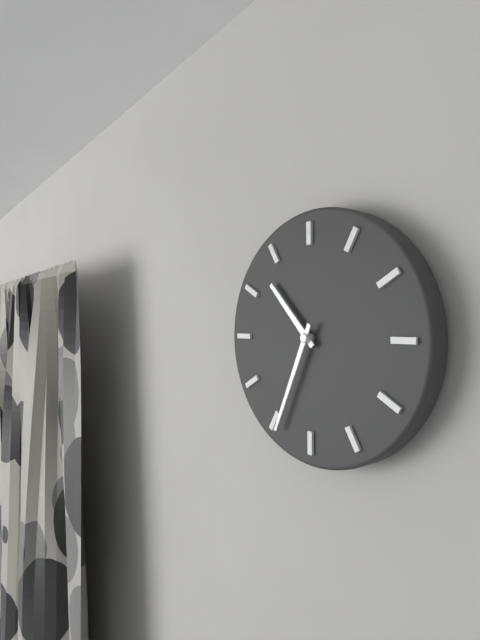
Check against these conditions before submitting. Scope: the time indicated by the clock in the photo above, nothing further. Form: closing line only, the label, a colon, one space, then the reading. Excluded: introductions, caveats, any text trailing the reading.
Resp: 10:34
